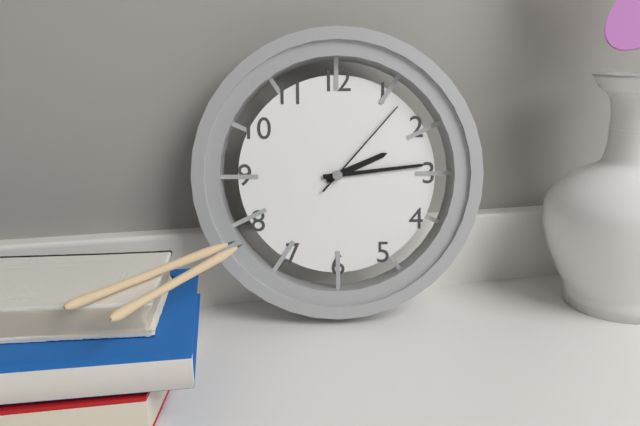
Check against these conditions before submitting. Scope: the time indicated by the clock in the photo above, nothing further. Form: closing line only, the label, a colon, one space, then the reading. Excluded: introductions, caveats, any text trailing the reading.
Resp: 2:14:07
